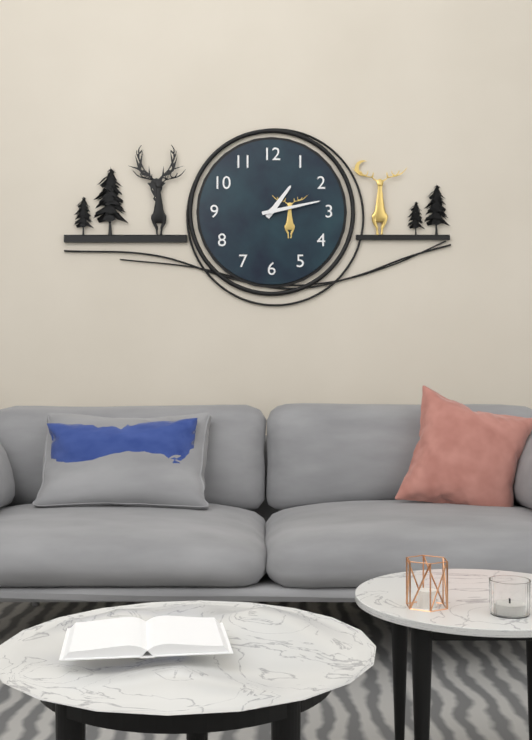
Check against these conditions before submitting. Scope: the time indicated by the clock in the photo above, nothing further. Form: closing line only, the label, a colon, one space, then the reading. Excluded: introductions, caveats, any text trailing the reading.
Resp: 1:13
